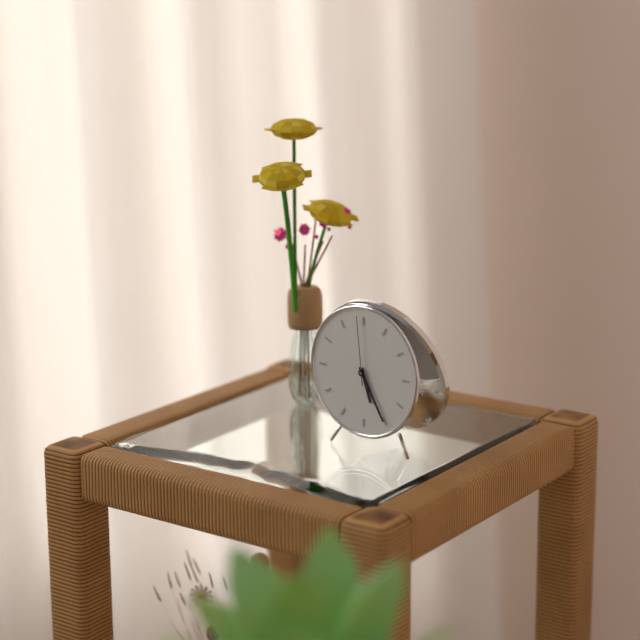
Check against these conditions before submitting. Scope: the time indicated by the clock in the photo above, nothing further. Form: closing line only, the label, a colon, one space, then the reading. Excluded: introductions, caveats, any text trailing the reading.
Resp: 5:25:59
